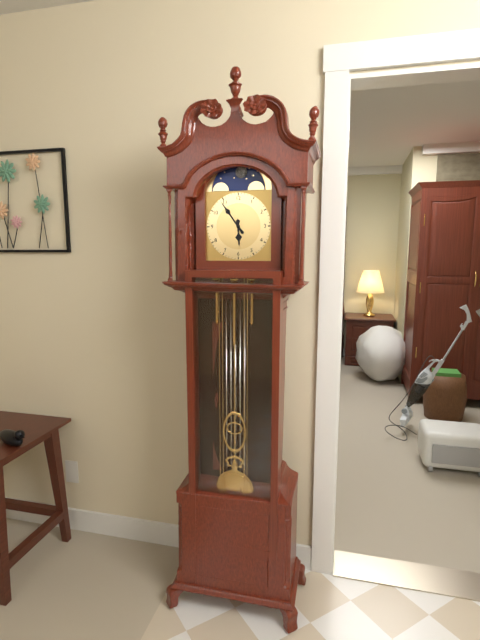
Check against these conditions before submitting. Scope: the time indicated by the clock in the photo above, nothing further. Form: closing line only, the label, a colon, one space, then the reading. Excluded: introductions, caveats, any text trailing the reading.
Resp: 5:54
